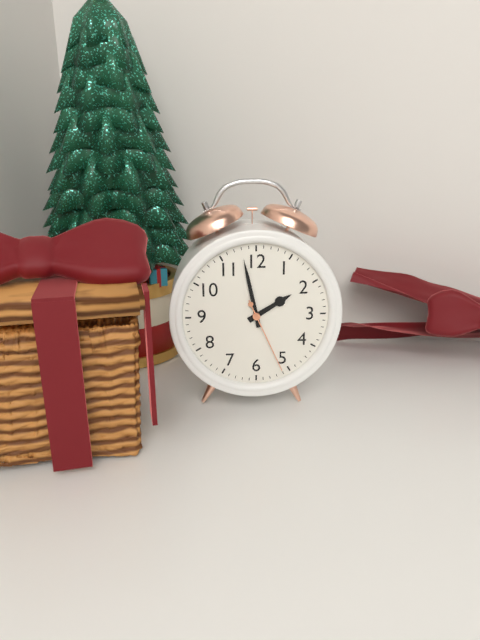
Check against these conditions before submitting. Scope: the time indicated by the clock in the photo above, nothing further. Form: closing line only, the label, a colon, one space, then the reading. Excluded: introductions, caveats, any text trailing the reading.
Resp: 1:58:26
